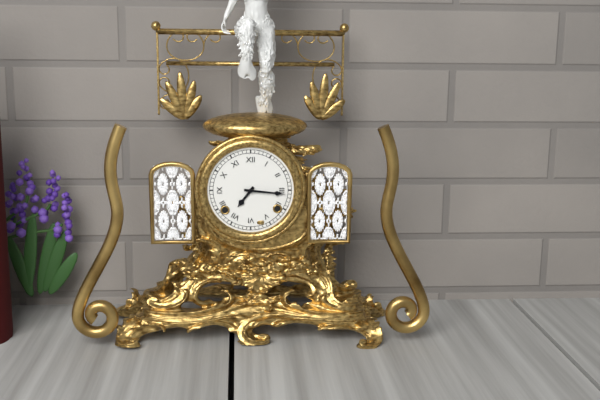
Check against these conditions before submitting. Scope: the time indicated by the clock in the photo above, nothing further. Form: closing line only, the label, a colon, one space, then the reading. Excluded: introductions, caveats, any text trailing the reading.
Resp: 7:16
